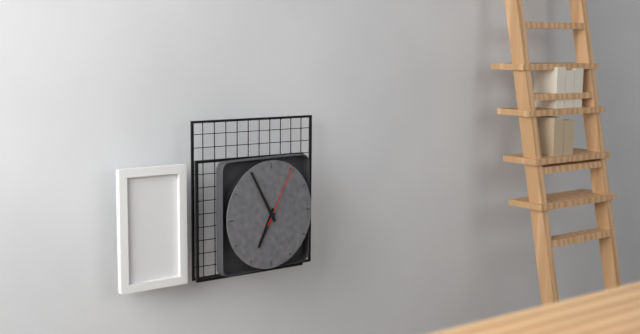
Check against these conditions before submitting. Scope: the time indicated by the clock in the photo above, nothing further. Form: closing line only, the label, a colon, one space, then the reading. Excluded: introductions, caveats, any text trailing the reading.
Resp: 6:55:05
